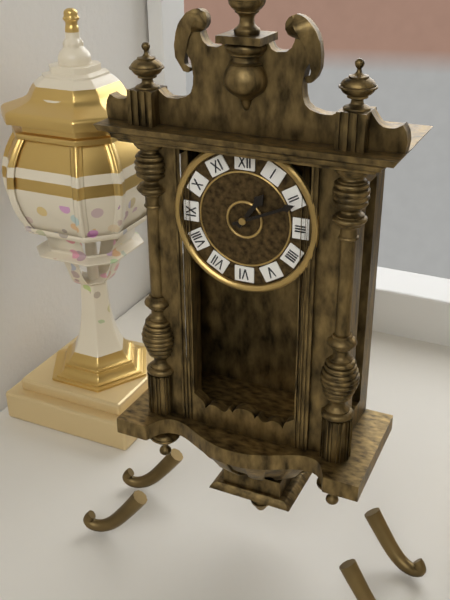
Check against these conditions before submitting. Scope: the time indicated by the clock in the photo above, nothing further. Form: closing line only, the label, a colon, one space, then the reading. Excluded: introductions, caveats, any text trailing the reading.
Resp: 1:11
